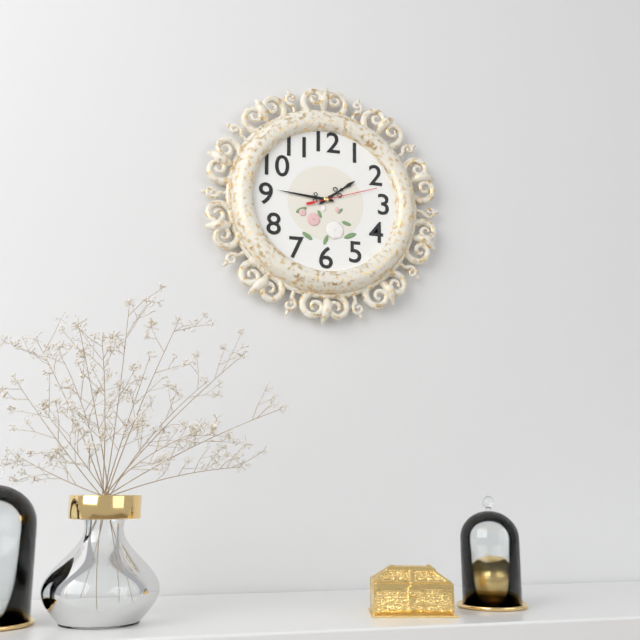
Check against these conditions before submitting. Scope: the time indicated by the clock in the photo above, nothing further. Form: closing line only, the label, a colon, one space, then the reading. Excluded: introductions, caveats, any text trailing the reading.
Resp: 1:46:12
